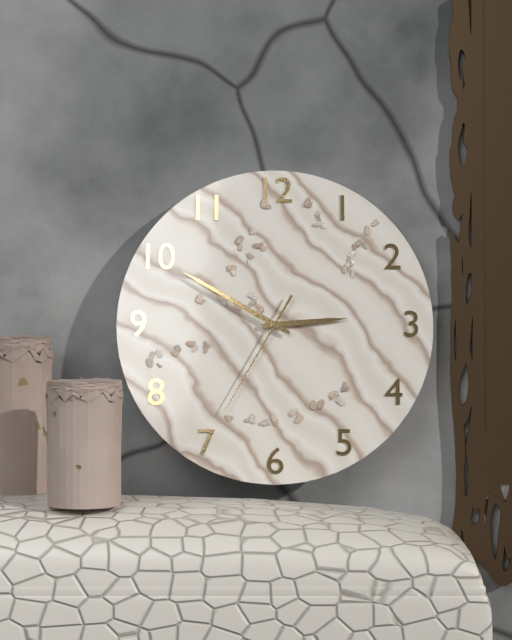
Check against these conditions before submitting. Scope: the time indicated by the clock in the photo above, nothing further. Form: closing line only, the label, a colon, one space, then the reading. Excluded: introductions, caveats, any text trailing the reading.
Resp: 2:50:35
